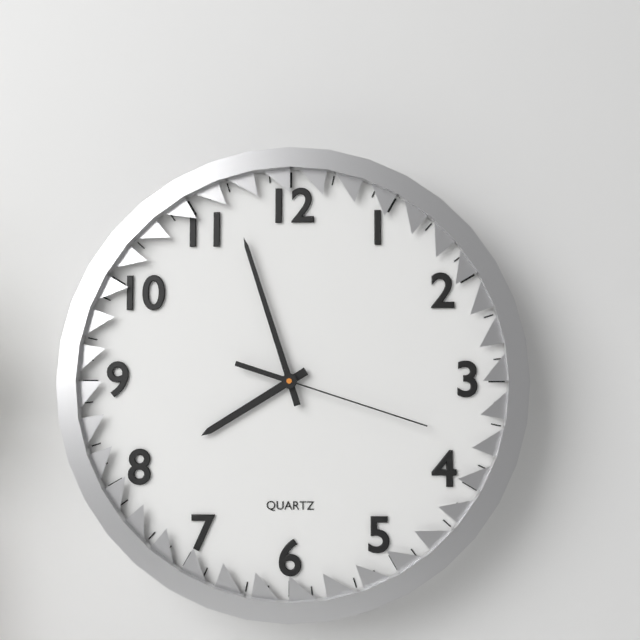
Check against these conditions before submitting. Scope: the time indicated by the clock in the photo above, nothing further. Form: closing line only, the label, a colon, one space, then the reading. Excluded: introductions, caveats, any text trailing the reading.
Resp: 7:57:18
